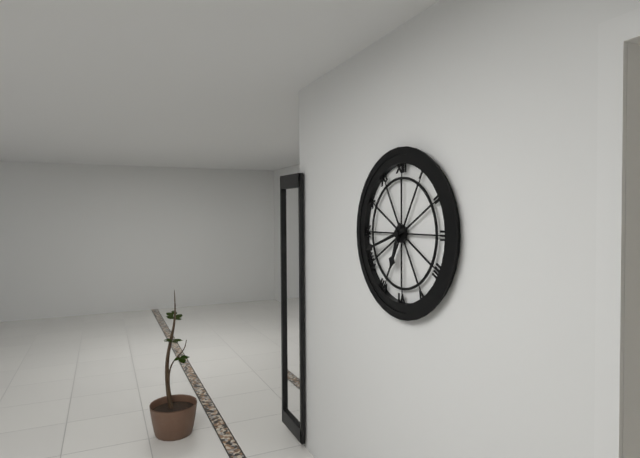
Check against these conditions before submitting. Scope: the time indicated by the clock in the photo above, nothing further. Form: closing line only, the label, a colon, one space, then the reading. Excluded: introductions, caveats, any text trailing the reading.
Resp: 6:42
